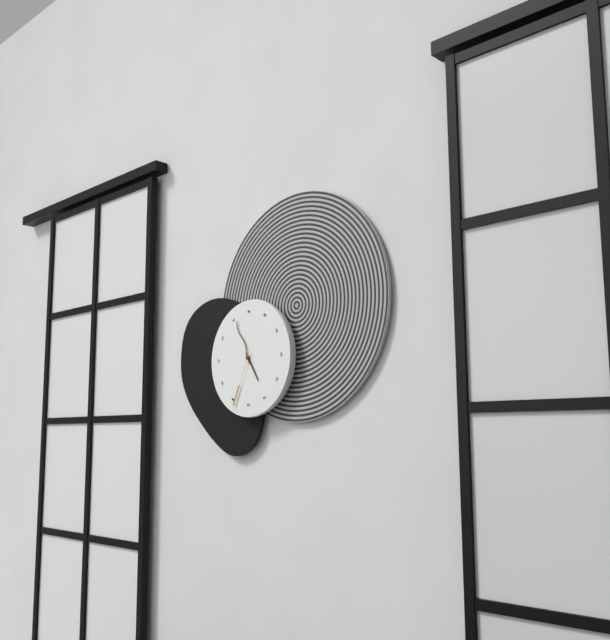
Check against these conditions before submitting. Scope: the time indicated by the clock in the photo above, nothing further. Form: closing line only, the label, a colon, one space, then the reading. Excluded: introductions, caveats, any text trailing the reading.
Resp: 4:56:34
